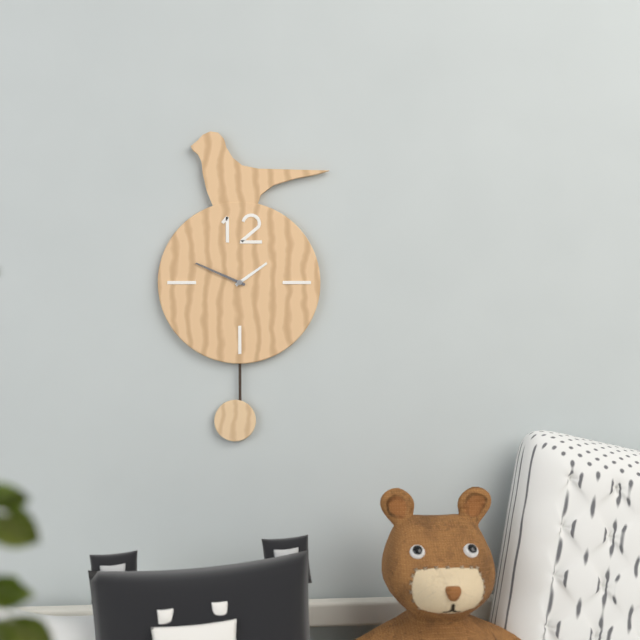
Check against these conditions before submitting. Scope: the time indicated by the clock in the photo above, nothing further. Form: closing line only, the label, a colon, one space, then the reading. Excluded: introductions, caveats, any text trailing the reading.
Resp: 1:49
